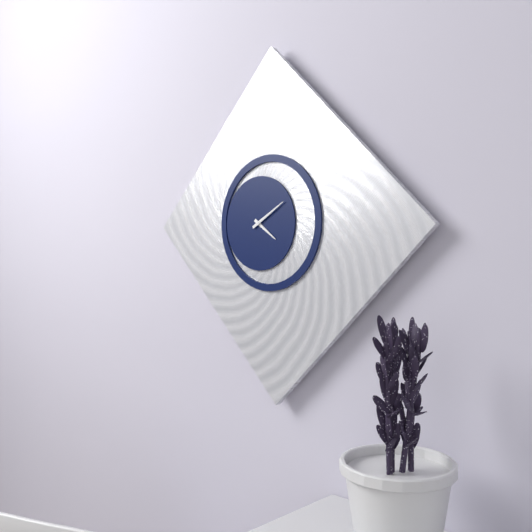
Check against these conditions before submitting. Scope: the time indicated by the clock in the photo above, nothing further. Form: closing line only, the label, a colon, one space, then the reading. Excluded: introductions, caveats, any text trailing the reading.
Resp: 4:10
